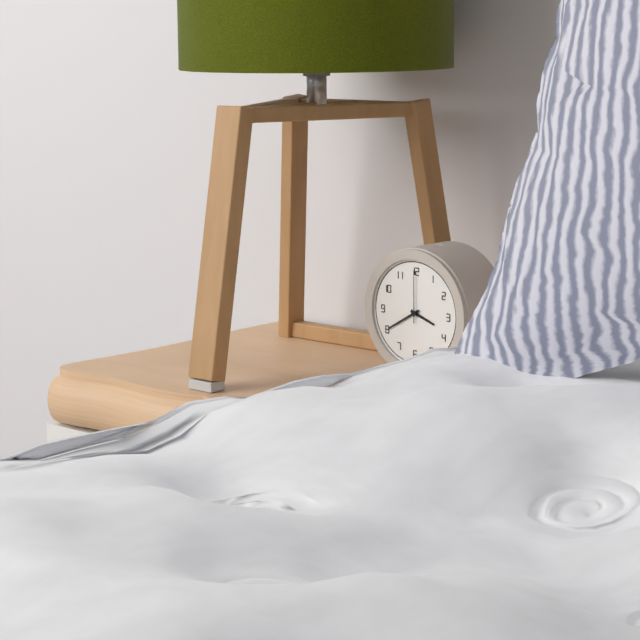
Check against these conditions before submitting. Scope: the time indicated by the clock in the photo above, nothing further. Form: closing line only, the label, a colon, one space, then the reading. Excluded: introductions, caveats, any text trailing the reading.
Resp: 3:40:00
